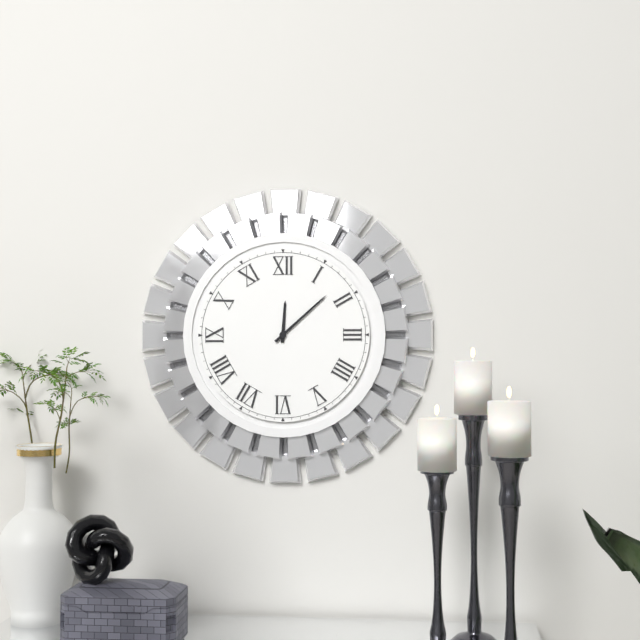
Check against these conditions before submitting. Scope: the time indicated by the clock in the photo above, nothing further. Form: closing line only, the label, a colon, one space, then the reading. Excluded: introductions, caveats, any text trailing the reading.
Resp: 12:08
